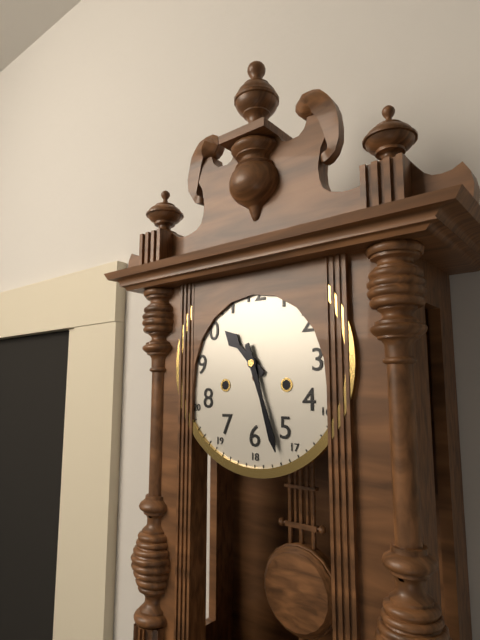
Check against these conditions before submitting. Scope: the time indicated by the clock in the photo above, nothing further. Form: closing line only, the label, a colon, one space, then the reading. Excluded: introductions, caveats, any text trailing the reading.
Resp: 10:27
